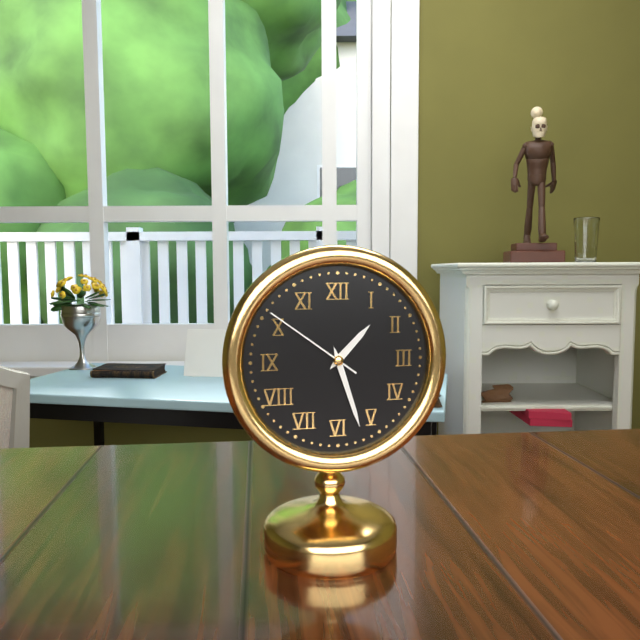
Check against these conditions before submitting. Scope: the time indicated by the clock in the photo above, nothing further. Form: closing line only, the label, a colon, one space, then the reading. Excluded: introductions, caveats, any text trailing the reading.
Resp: 1:27:51
